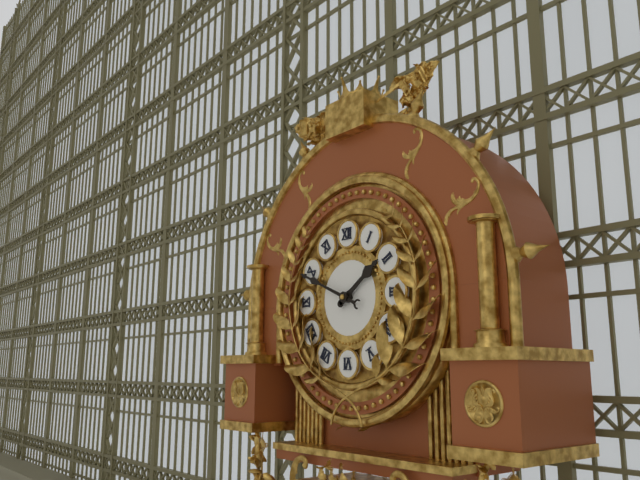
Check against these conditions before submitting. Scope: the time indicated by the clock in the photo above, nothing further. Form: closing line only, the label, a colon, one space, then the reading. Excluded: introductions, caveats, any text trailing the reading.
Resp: 1:49
